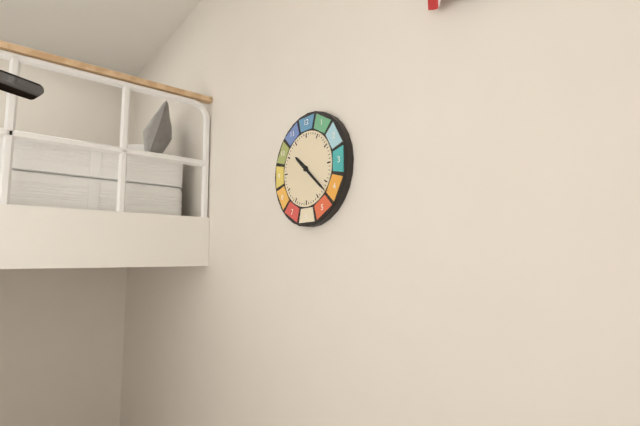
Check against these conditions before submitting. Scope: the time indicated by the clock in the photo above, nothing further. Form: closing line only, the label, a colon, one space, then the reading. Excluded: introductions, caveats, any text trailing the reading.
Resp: 10:22
